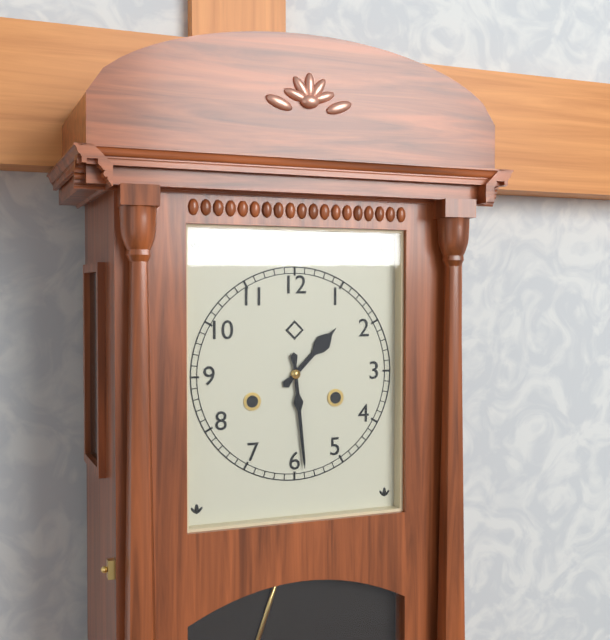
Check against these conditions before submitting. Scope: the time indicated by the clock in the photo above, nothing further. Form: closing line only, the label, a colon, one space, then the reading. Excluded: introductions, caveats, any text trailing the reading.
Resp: 1:29
